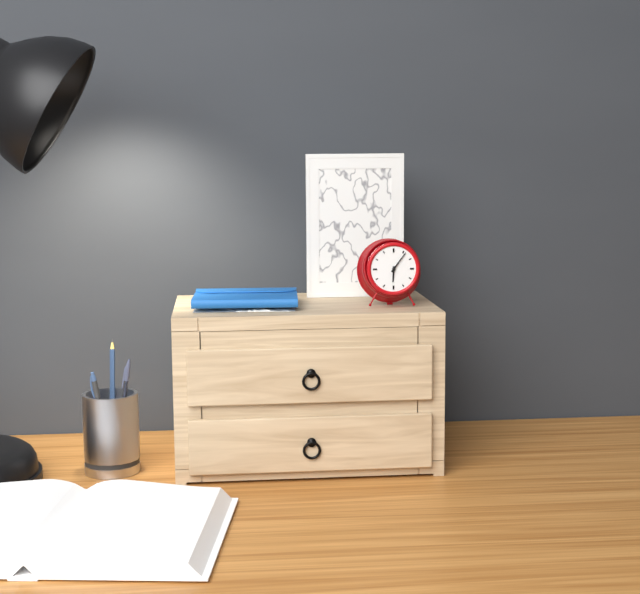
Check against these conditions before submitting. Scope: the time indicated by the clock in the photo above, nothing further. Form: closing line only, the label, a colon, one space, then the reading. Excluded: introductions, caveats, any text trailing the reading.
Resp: 6:06
